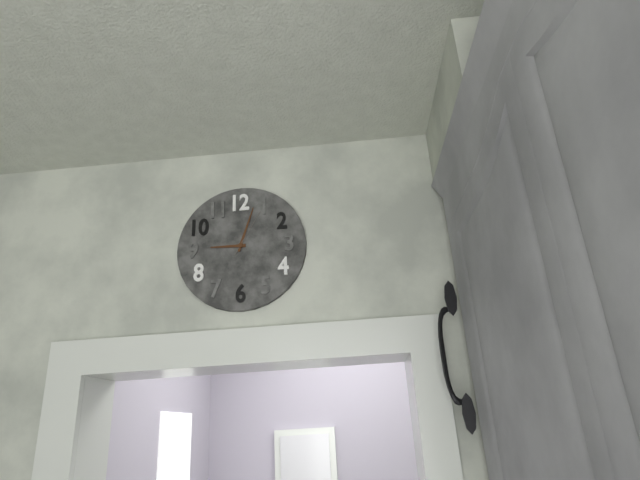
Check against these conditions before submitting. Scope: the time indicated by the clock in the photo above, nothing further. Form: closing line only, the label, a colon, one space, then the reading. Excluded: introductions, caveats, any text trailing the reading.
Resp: 9:03:05
